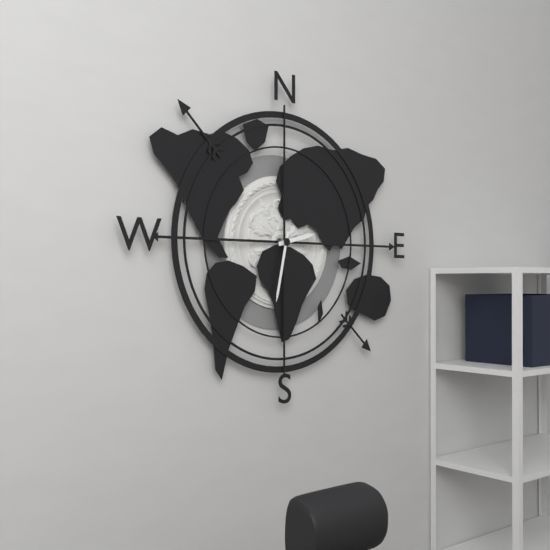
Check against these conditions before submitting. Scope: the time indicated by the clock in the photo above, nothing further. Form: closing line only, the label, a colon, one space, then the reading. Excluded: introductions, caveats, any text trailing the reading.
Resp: 2:32
